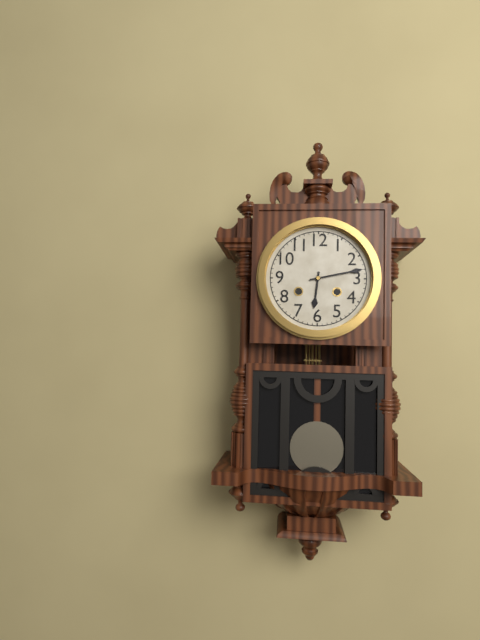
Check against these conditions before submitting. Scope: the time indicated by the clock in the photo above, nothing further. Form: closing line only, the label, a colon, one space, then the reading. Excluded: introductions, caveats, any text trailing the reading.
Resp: 6:13
